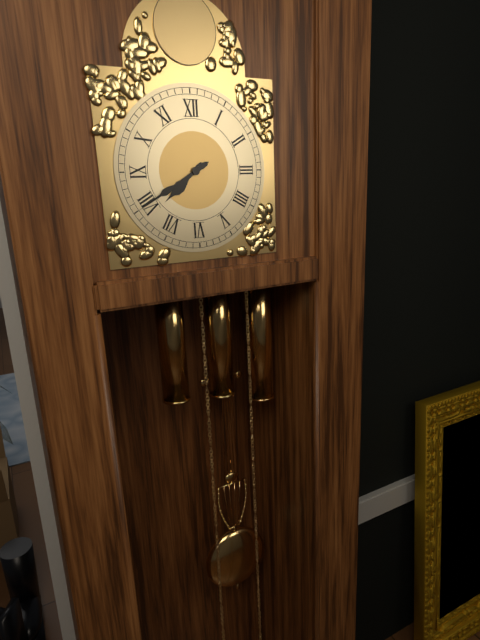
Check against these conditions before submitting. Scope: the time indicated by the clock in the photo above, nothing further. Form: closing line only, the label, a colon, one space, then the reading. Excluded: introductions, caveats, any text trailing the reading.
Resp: 7:40
